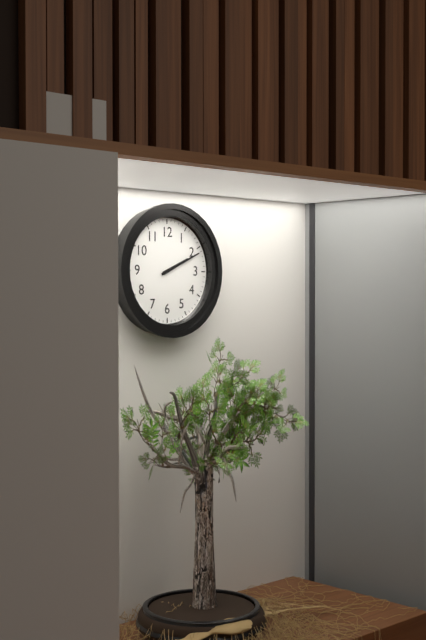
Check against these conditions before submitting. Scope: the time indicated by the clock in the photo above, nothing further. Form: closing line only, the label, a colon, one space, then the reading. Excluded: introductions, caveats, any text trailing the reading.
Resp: 2:11
